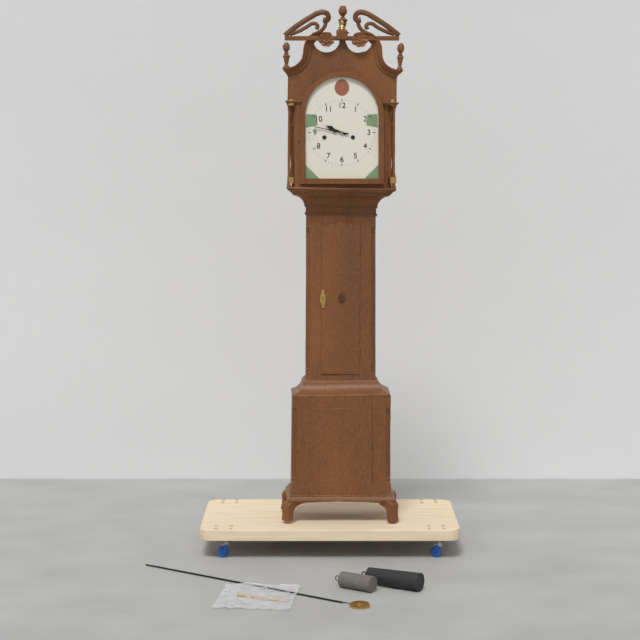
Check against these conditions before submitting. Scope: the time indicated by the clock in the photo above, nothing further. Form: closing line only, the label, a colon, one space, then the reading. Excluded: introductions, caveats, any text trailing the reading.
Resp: 9:47
